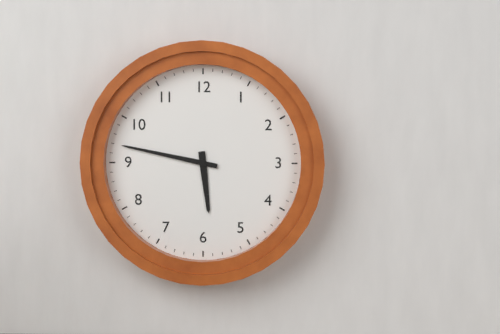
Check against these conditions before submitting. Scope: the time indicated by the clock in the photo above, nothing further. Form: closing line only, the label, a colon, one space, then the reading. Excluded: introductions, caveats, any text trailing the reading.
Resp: 5:47
